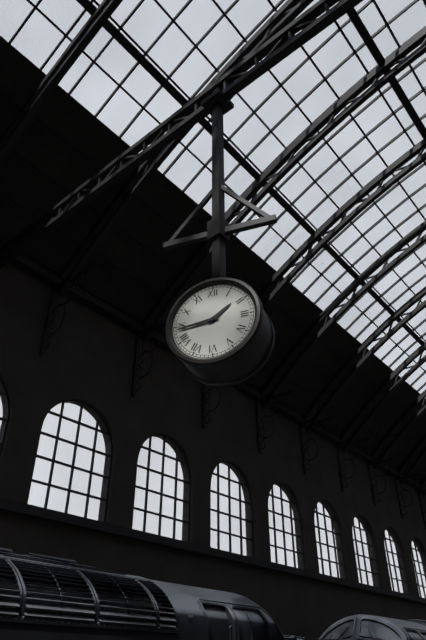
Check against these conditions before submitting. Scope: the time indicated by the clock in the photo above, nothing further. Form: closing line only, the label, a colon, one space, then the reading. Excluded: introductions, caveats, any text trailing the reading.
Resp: 1:44
